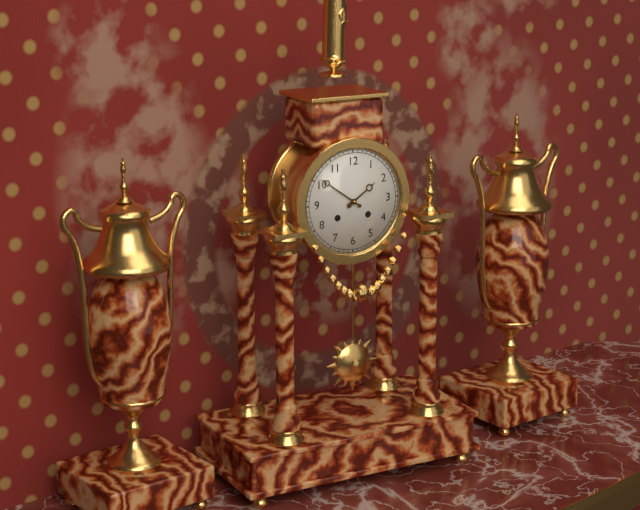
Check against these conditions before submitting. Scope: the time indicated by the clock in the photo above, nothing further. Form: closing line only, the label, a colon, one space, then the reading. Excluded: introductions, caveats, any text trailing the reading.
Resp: 1:51
